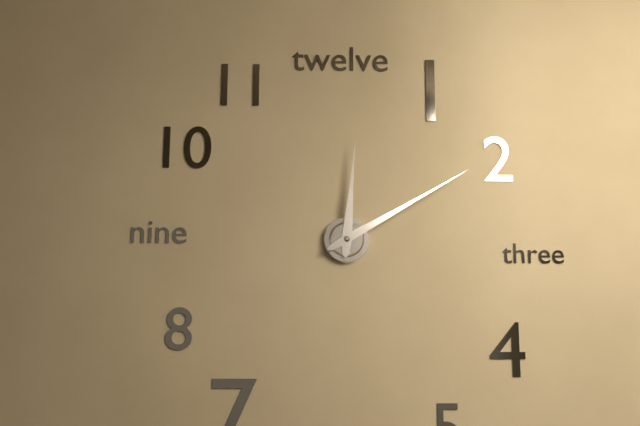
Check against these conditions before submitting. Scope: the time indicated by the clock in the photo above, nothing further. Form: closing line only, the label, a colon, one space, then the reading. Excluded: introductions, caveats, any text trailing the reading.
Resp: 12:10
